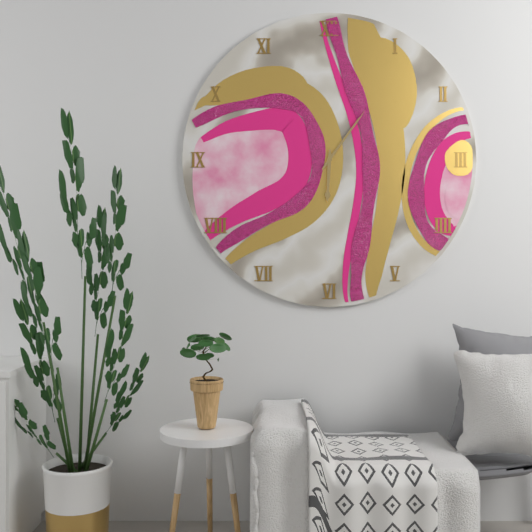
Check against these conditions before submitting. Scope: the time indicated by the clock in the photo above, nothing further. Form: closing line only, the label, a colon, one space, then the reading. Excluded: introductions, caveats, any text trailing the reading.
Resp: 6:06
